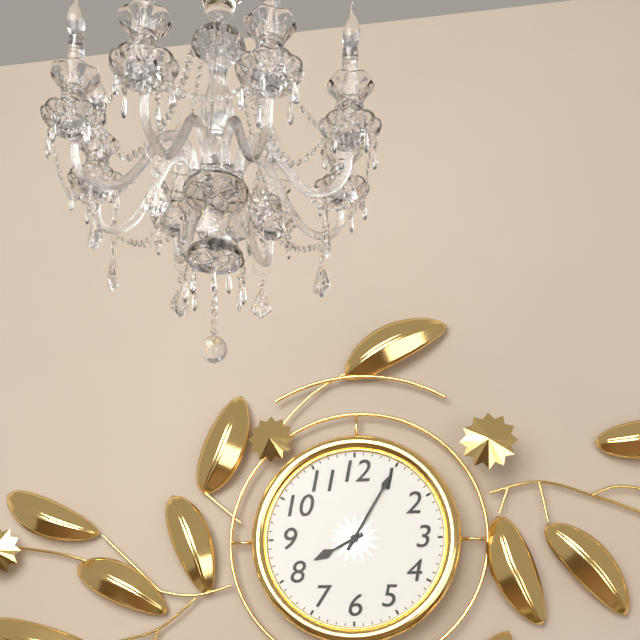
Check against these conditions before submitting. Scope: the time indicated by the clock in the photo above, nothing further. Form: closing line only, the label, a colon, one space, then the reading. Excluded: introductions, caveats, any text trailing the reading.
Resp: 8:05
